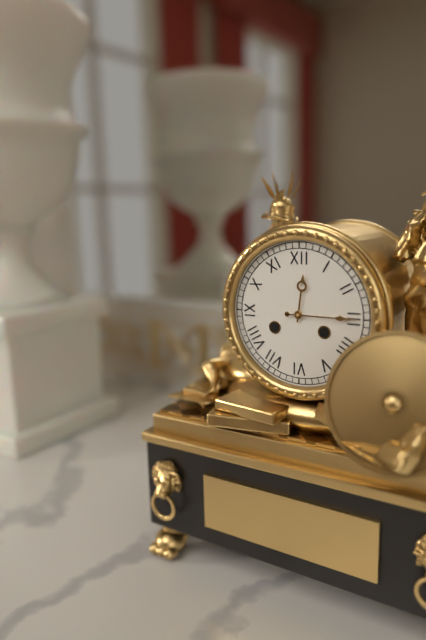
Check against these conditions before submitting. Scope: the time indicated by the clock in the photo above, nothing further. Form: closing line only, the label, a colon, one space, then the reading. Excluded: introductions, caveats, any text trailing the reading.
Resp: 12:15
